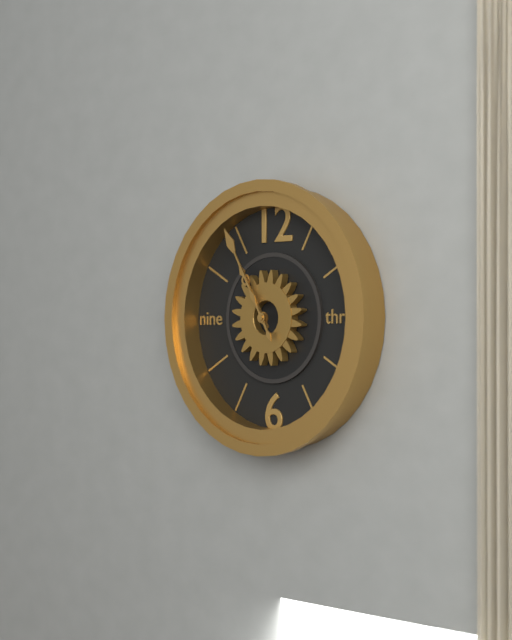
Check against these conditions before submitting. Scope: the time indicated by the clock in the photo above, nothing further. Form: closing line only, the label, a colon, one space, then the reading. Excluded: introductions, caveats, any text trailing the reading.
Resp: 10:55
